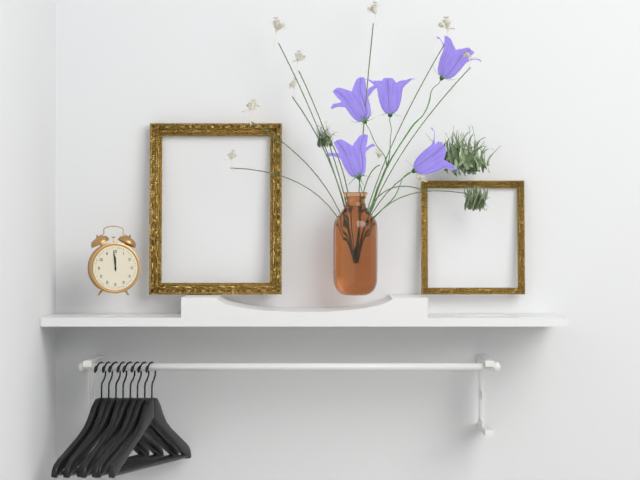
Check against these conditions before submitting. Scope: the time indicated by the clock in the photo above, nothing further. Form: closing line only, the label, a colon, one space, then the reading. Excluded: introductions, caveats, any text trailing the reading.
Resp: 11:59
